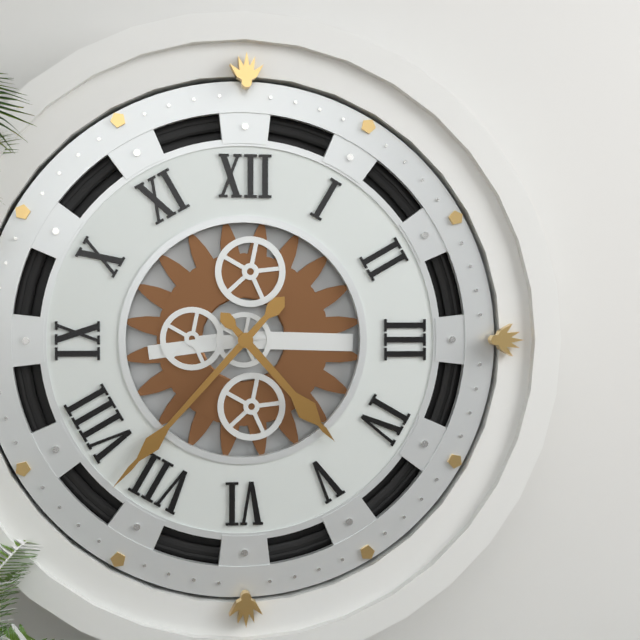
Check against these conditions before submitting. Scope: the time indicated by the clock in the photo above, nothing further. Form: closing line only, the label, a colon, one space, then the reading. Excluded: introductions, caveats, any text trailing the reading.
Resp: 4:37
